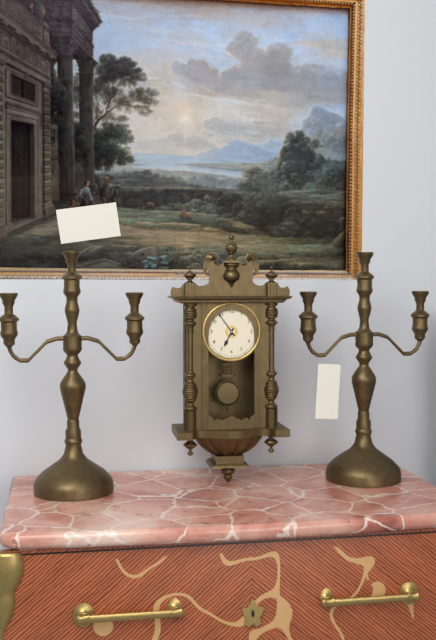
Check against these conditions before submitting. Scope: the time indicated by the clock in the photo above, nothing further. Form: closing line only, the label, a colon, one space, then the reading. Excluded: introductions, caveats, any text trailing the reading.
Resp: 6:54
